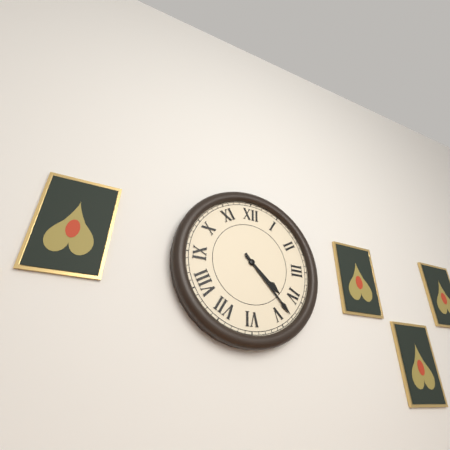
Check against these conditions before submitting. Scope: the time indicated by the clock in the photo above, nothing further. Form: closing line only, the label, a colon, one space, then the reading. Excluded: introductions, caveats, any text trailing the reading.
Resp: 4:23
